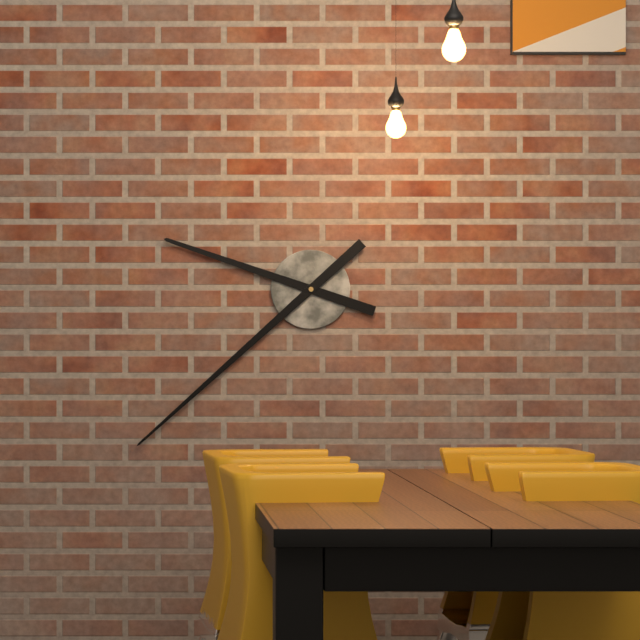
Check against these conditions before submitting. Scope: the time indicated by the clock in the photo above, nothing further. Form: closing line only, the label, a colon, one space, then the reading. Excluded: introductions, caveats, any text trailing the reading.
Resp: 9:38
